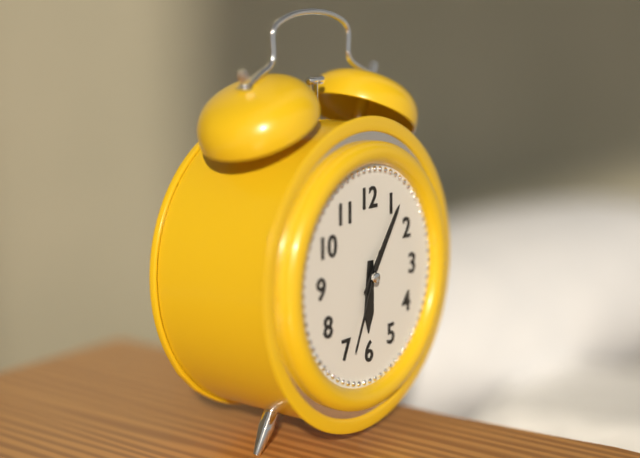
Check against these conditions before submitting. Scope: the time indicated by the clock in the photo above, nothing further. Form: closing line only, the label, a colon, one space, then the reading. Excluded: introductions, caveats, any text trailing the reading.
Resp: 6:06:34
